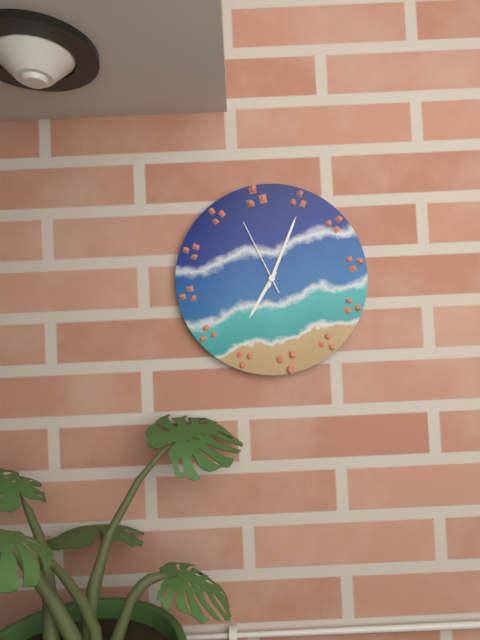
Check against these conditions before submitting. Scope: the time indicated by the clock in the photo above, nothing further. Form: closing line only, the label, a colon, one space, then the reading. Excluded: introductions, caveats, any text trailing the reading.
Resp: 7:04:56
